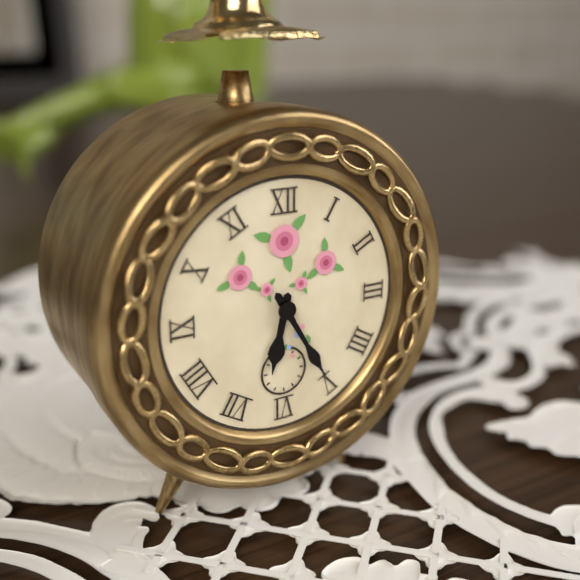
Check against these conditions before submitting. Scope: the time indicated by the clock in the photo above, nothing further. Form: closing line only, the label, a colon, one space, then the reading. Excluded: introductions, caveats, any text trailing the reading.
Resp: 6:25
